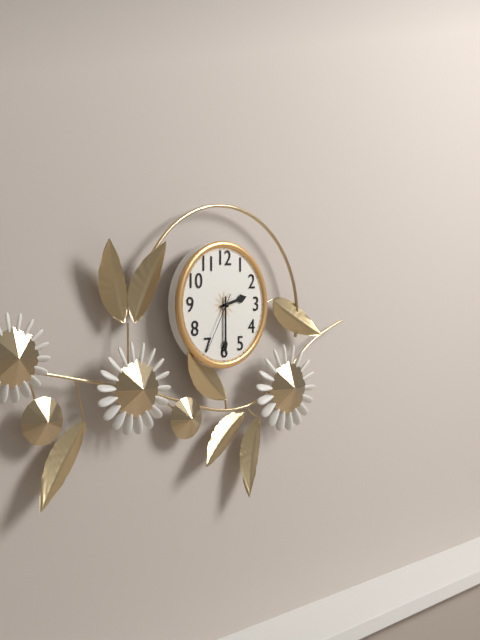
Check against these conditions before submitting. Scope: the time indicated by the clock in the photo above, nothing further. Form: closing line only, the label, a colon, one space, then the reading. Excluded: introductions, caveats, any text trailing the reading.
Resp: 2:30:35
